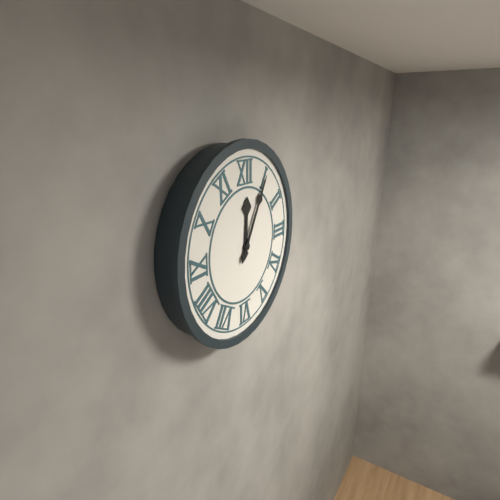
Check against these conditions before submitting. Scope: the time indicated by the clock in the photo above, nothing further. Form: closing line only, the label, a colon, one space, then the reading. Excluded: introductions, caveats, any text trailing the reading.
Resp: 12:05
